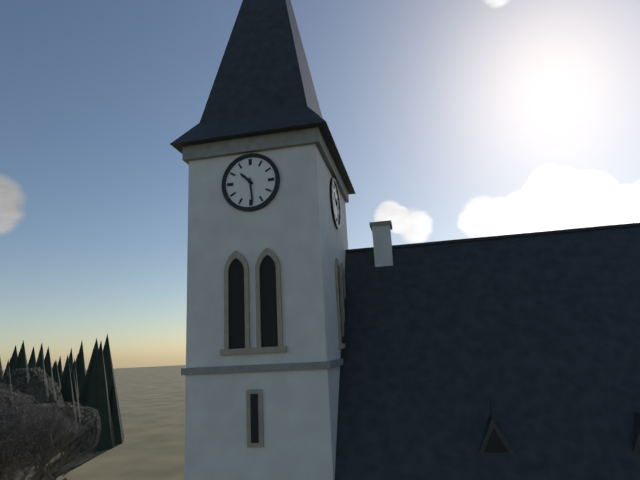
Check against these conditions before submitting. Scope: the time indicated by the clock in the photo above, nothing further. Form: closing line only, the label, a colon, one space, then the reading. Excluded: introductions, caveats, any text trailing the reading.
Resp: 10:29
